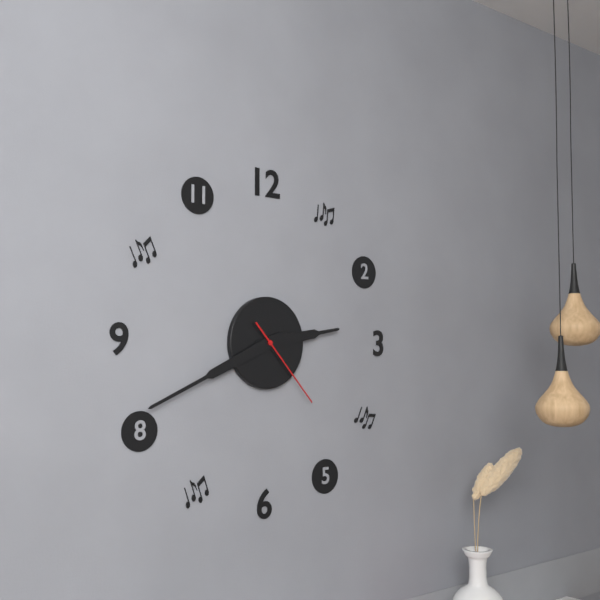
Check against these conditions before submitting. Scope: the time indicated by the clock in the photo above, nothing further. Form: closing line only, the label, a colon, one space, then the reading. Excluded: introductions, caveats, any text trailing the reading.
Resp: 2:41:23
